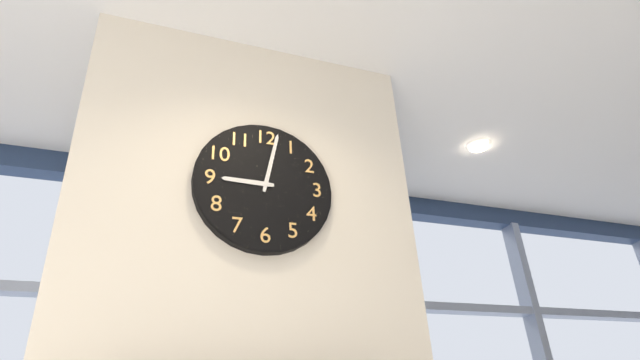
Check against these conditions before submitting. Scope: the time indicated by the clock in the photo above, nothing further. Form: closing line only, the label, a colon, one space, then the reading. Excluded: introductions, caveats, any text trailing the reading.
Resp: 9:02
